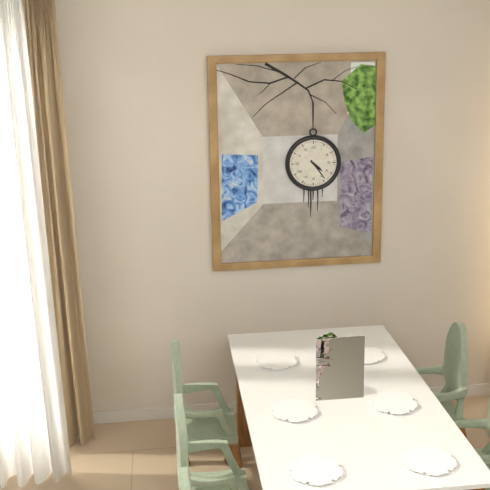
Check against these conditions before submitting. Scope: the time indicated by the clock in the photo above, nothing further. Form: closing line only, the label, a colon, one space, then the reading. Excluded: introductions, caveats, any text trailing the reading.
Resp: 4:24
